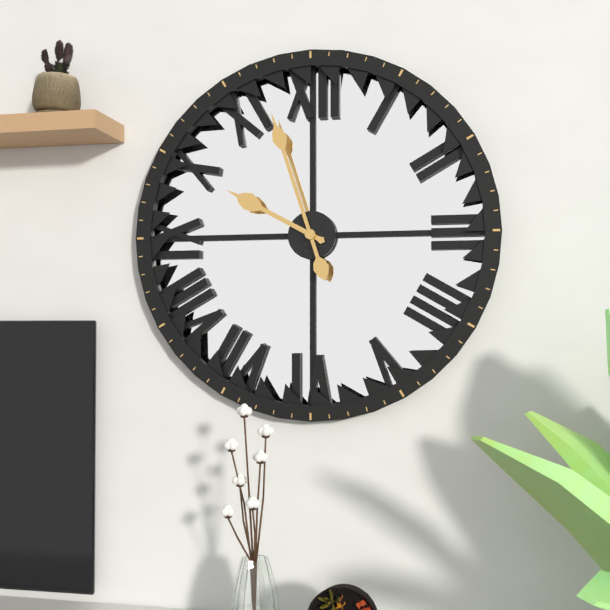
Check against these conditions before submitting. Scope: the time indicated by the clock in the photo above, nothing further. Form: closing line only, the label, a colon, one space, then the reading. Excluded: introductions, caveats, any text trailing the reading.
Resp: 9:57
